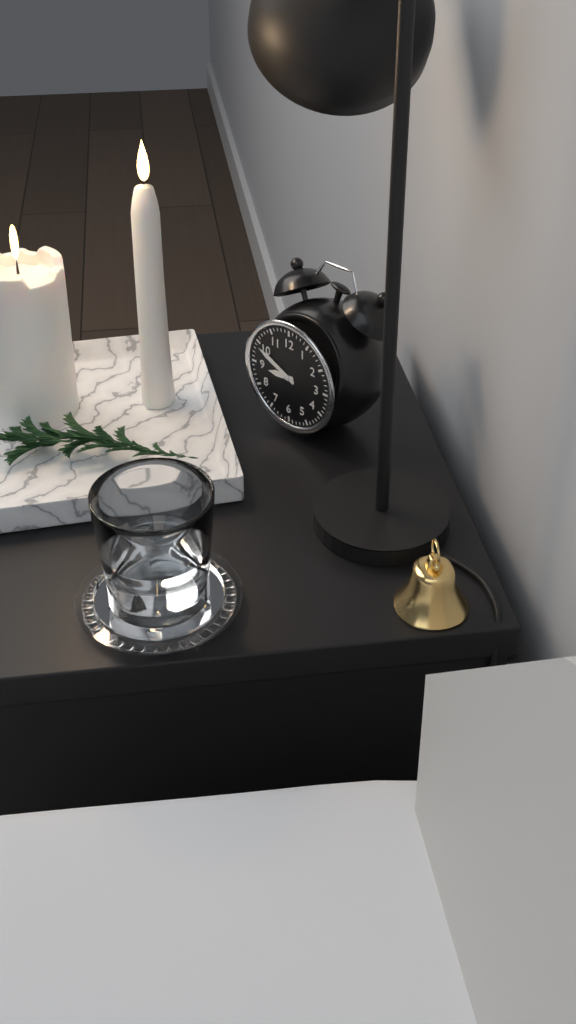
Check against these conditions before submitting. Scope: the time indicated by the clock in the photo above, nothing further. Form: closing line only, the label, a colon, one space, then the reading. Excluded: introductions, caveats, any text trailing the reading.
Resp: 8:49
